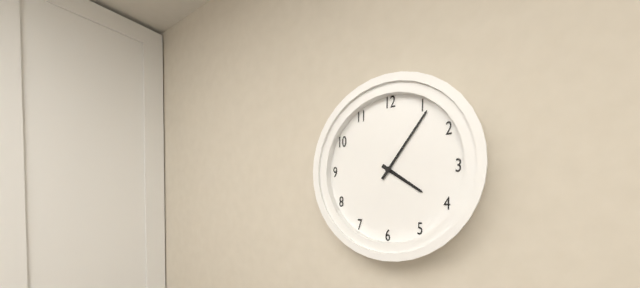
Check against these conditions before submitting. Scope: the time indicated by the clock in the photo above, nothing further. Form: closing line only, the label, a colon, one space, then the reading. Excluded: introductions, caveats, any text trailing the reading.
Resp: 4:06
